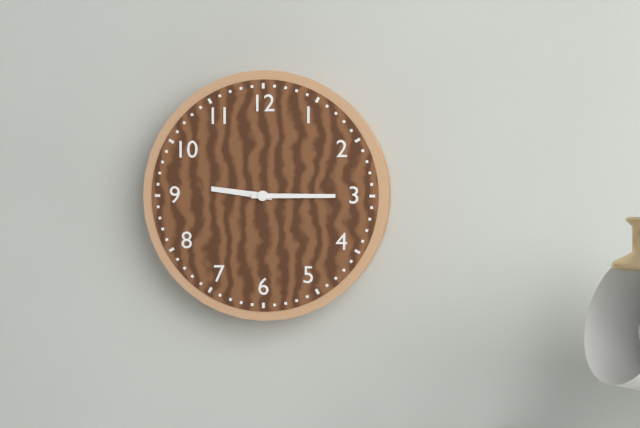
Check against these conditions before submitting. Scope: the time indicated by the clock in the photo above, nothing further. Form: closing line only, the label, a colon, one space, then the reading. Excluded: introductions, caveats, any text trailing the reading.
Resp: 9:15
